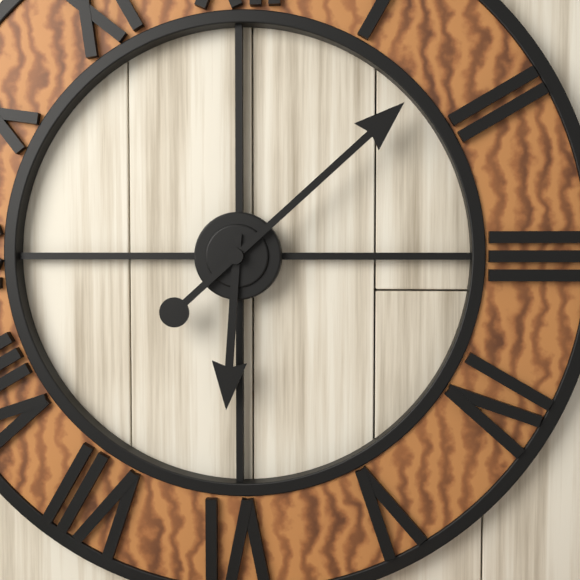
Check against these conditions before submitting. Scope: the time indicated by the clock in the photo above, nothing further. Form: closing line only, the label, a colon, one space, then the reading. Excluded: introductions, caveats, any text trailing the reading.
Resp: 6:08
